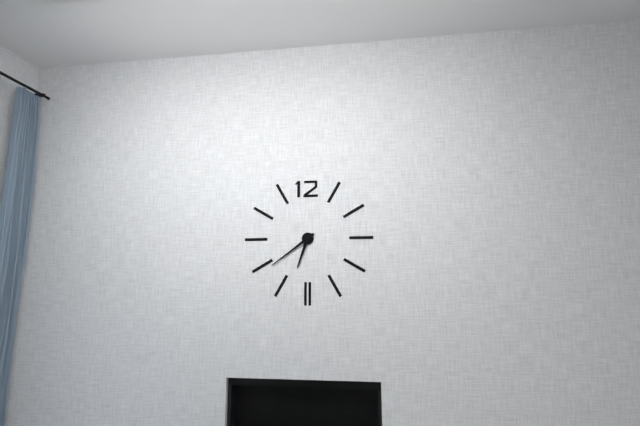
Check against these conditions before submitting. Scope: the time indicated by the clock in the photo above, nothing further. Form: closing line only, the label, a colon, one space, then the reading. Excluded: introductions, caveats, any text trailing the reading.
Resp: 6:39
